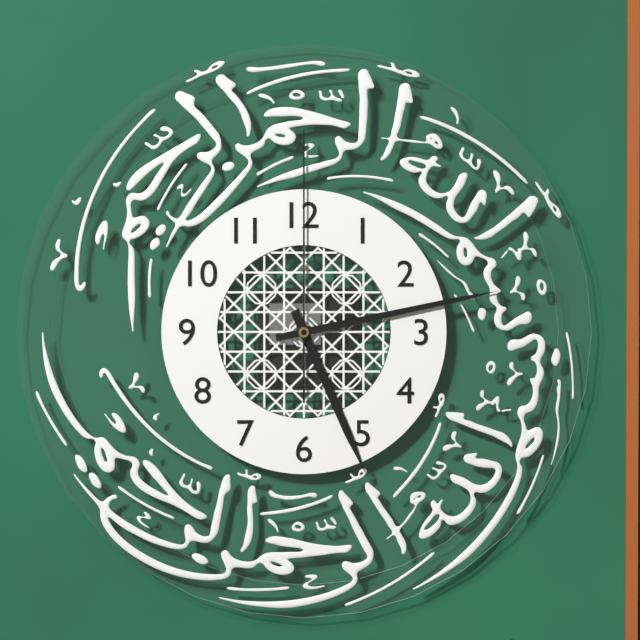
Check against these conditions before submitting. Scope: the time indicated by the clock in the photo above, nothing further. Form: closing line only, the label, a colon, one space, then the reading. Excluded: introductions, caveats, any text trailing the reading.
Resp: 5:13:00
